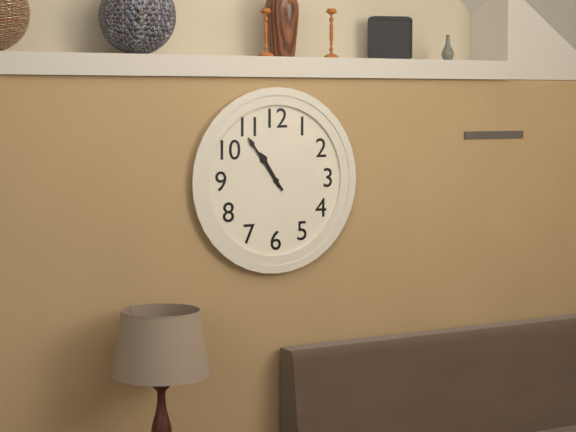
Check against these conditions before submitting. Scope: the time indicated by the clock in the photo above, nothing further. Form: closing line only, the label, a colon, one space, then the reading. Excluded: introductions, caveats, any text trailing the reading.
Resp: 10:54
